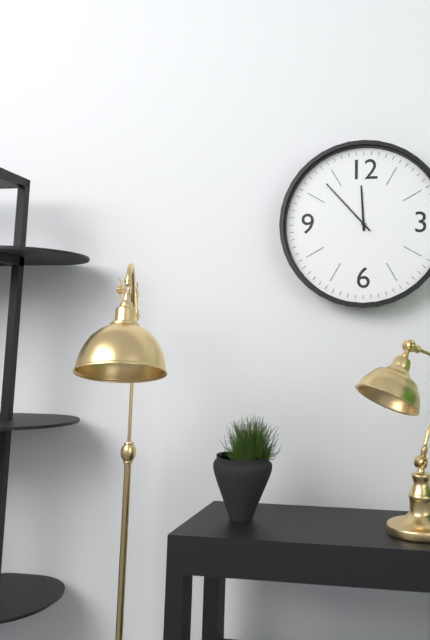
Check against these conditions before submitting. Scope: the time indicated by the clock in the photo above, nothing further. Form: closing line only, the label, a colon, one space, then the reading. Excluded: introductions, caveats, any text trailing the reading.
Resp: 11:53
